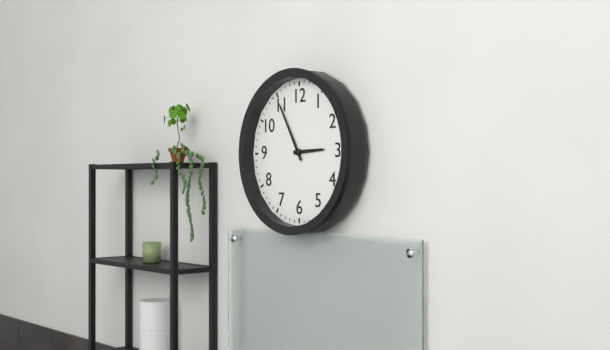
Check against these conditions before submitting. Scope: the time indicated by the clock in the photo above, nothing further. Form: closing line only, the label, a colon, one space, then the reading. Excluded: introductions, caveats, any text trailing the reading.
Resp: 2:55
